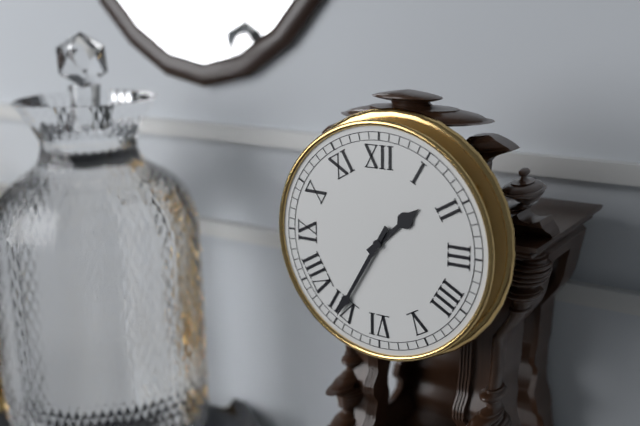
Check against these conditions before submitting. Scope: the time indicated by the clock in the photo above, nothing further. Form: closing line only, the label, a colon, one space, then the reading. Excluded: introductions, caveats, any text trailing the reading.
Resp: 1:35
